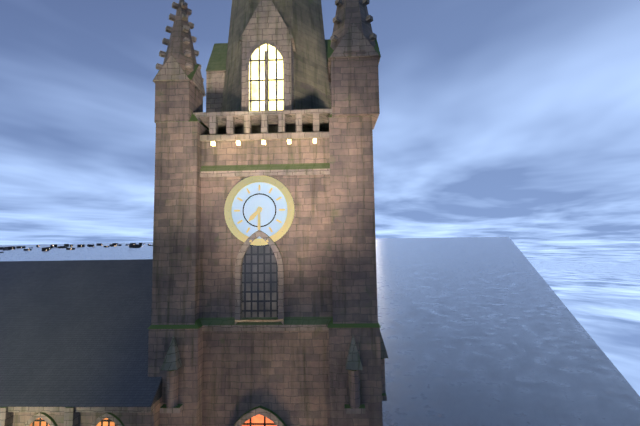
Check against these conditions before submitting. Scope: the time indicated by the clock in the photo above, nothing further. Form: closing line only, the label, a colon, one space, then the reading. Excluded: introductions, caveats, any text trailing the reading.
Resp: 7:30
